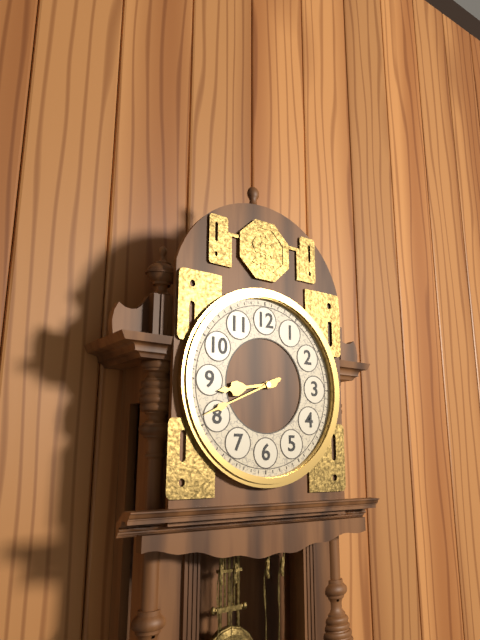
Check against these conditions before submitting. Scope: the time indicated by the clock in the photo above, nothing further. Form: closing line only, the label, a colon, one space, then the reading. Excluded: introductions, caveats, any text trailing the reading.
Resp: 8:41
